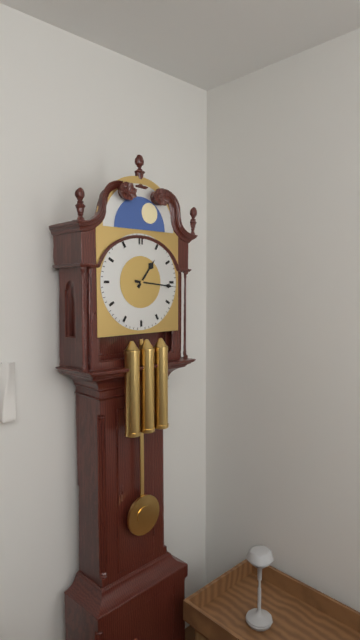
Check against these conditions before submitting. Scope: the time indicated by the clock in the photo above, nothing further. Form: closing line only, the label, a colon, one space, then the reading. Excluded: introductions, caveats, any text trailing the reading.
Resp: 1:16
